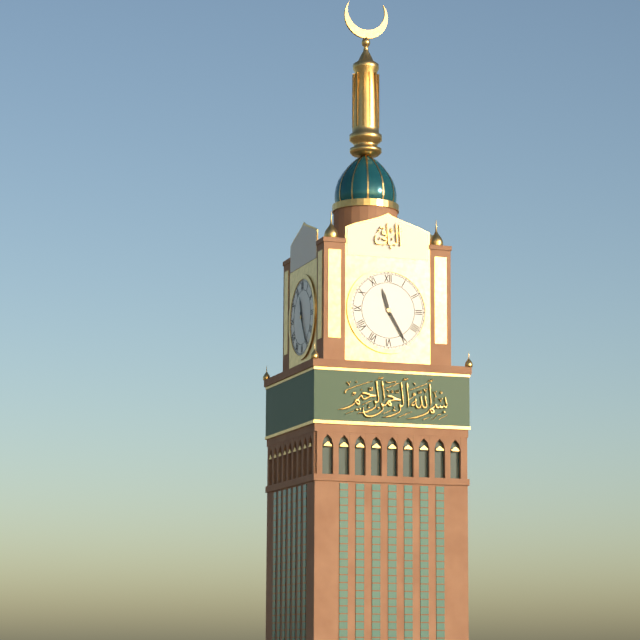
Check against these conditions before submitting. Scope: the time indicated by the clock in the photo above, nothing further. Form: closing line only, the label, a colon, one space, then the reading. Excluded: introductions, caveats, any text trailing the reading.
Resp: 11:25
